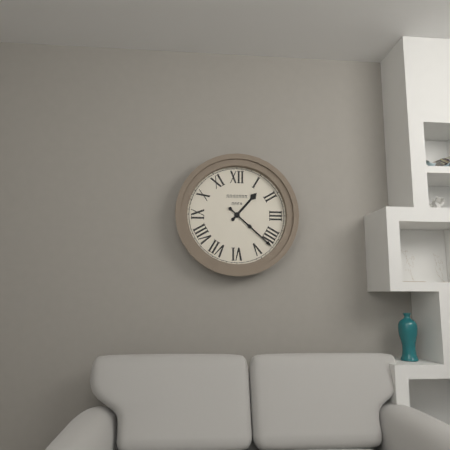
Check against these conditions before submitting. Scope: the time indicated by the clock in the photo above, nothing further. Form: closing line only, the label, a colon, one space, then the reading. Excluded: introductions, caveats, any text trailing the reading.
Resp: 1:22
